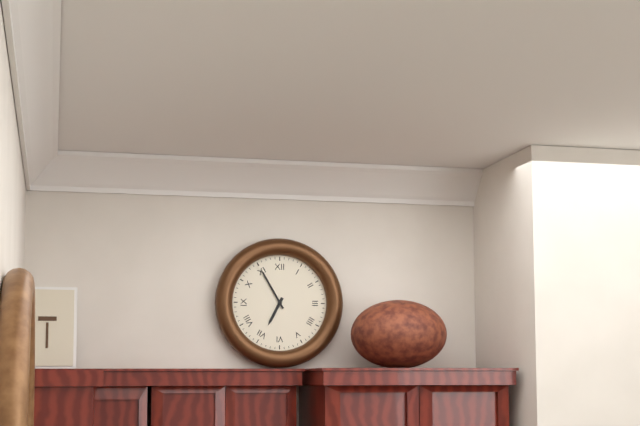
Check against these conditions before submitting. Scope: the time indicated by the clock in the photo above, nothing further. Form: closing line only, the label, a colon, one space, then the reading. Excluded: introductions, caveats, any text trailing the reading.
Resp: 6:55
